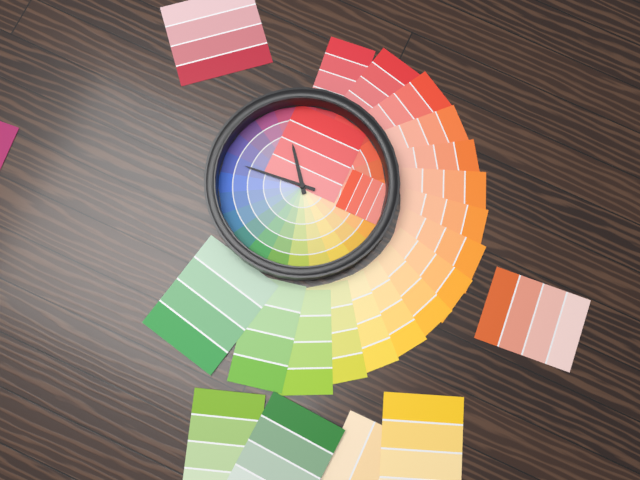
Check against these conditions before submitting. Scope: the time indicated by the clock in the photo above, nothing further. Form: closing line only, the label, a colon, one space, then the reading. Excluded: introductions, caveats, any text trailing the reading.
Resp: 10:44
